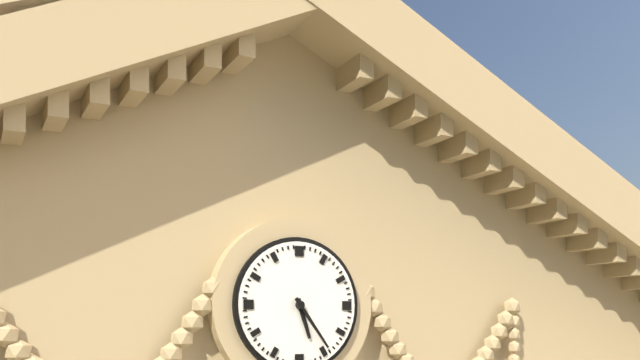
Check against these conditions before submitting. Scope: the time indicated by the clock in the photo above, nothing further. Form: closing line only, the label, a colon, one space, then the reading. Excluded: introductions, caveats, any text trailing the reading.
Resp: 5:24
